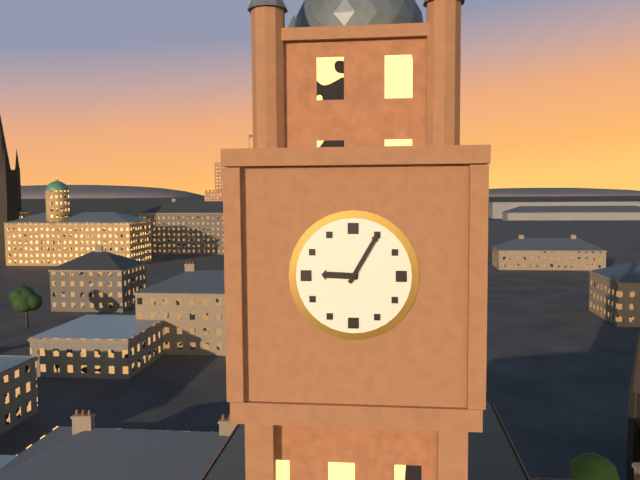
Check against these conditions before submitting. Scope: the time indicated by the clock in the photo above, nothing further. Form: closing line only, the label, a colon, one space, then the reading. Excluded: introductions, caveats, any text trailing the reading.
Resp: 9:05
